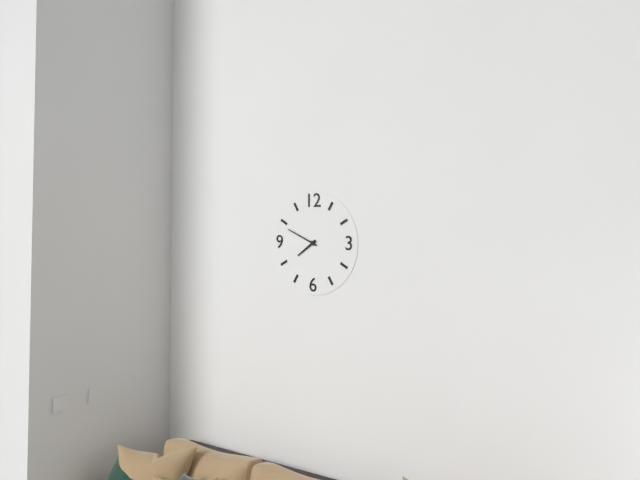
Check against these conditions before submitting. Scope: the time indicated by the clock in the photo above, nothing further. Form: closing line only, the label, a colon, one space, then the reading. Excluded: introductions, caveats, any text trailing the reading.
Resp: 7:49
